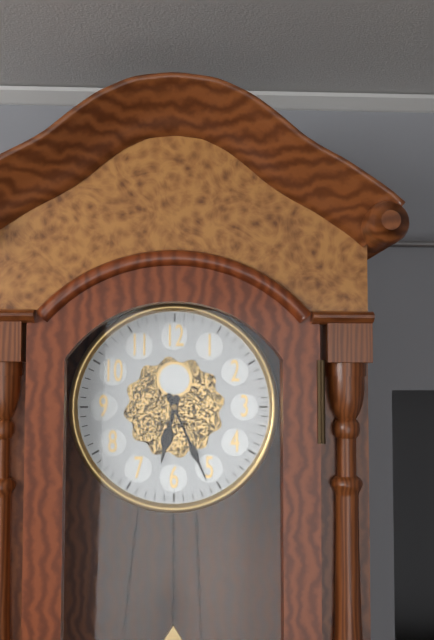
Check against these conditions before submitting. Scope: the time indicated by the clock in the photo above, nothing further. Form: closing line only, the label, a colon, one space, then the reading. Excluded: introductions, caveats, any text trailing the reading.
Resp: 6:26
